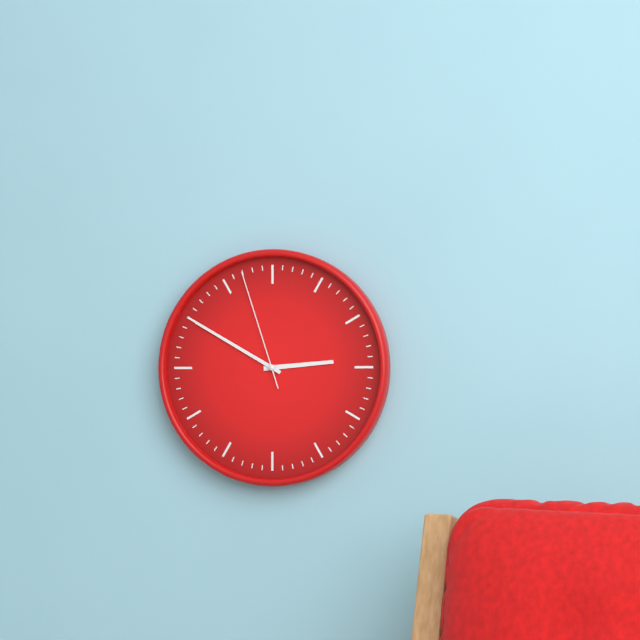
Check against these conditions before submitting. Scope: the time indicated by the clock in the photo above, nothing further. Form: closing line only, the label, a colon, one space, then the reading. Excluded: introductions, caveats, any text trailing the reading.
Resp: 2:50:57
